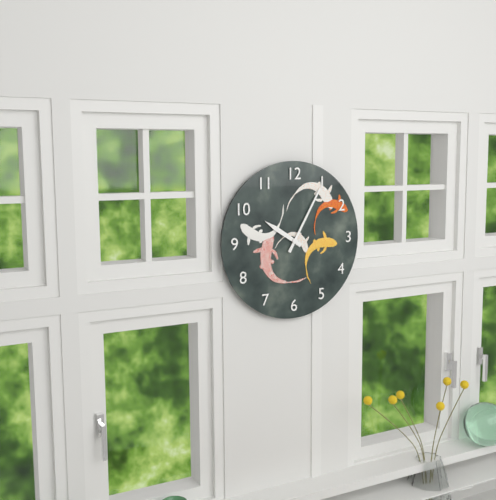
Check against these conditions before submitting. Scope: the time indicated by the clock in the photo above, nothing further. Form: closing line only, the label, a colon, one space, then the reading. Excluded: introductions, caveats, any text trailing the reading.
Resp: 10:05
